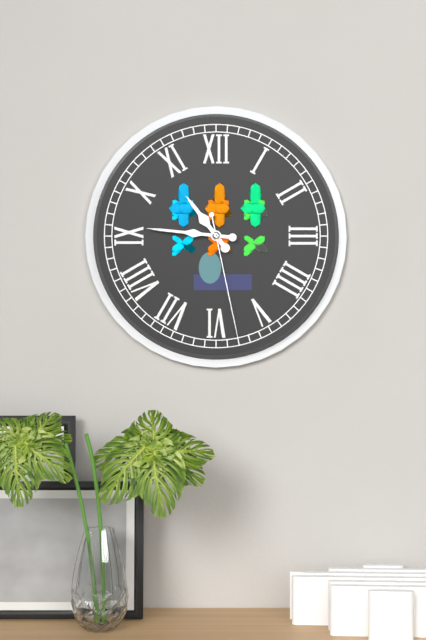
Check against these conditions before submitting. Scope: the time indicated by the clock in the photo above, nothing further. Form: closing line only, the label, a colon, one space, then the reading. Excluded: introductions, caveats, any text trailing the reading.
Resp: 10:46:28
